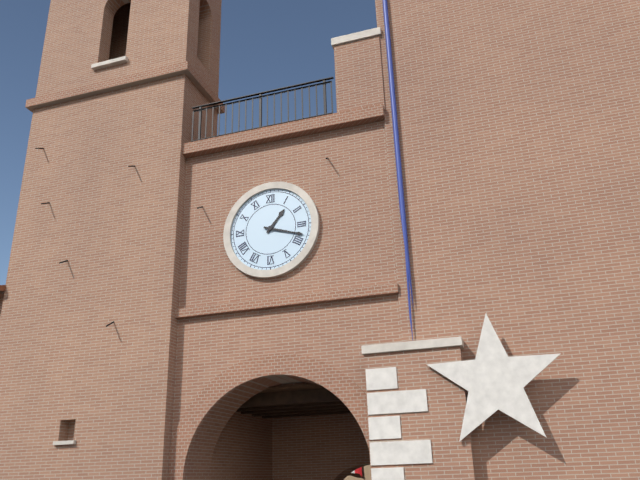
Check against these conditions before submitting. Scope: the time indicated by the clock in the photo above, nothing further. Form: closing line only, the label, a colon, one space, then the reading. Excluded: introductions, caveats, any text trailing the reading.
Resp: 1:18
